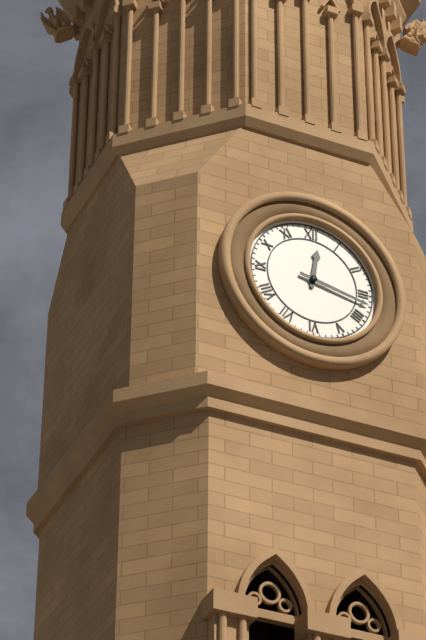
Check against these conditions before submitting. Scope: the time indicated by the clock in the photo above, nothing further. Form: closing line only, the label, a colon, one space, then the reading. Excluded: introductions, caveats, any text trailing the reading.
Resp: 12:17
